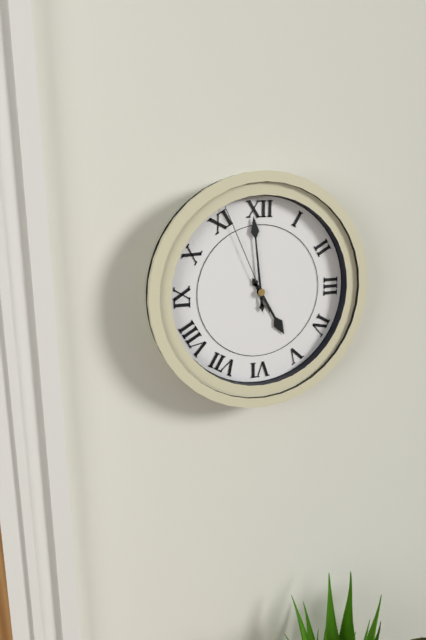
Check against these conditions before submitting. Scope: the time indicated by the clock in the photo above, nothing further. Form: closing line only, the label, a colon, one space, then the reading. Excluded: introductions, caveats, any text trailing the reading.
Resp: 4:59:56
